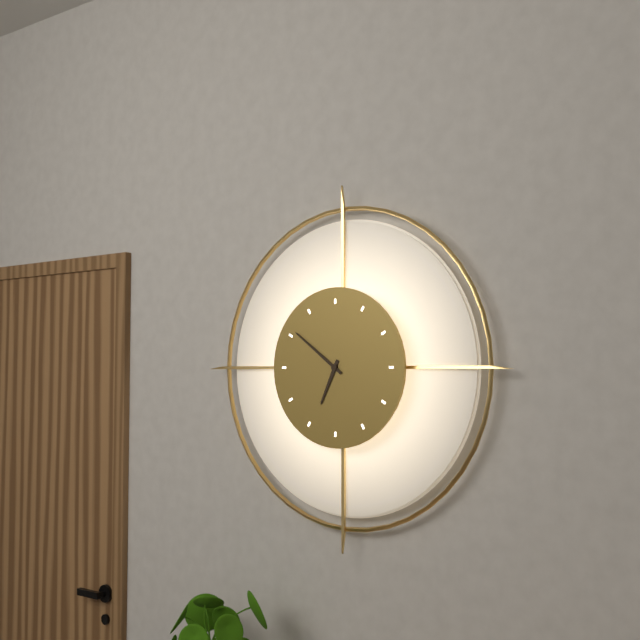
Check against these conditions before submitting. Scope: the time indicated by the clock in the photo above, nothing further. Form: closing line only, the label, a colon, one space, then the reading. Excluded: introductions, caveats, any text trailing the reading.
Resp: 6:51
